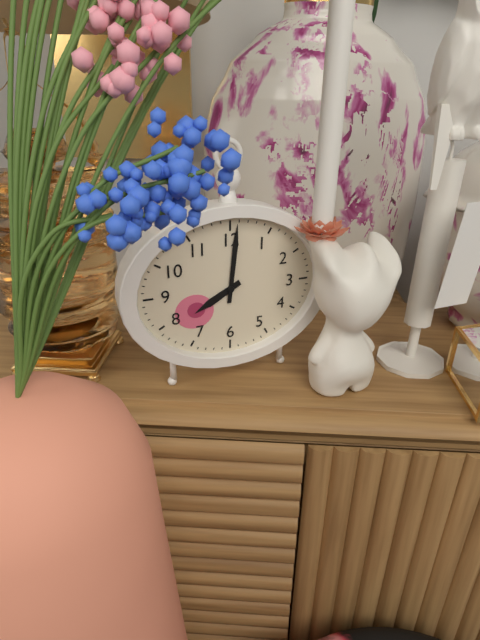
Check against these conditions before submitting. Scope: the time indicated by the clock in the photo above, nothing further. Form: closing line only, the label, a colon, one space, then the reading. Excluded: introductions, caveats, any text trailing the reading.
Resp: 8:01
